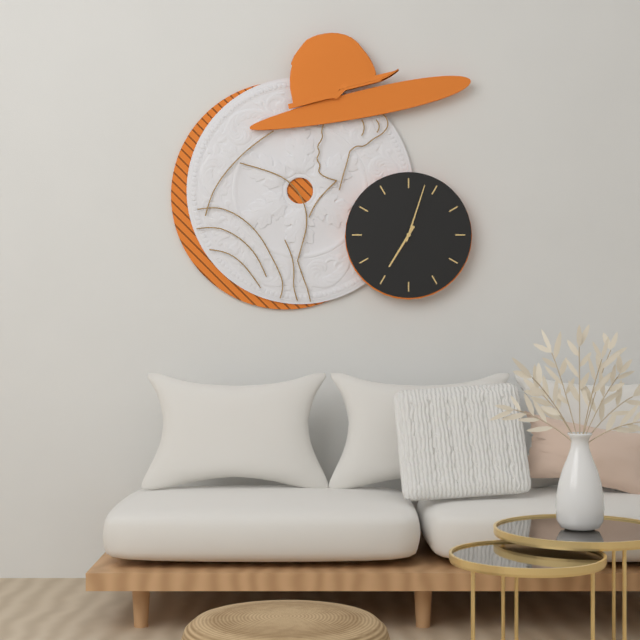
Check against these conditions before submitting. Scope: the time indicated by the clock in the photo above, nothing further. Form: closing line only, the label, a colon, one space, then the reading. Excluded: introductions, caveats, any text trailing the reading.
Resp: 7:03
